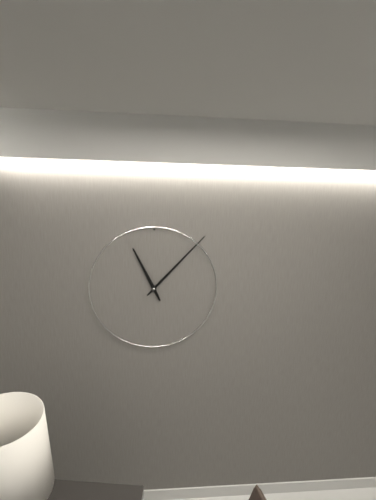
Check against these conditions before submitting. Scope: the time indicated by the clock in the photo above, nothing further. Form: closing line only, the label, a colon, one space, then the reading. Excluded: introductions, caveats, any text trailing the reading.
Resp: 11:07
